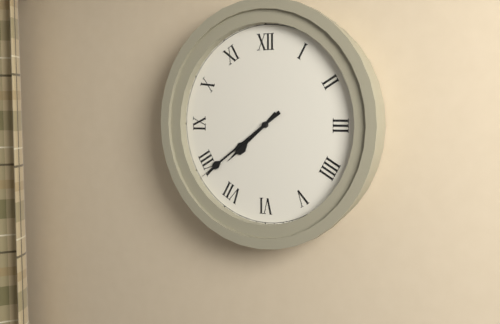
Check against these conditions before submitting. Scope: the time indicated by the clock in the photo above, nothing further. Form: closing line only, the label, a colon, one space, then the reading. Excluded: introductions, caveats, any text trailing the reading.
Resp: 7:39
